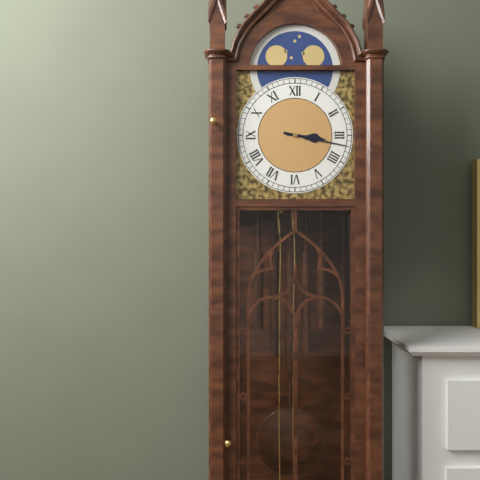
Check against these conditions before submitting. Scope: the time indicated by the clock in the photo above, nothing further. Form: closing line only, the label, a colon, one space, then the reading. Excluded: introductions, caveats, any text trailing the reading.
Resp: 3:17
